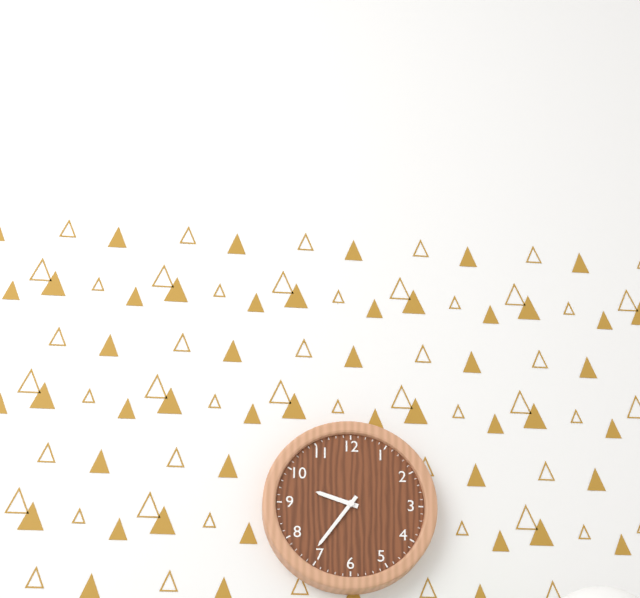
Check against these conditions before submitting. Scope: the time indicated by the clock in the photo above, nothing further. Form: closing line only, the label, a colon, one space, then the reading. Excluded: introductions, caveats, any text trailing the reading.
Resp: 9:36
